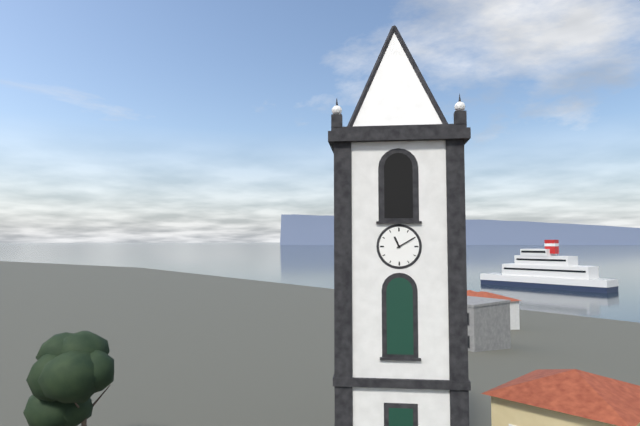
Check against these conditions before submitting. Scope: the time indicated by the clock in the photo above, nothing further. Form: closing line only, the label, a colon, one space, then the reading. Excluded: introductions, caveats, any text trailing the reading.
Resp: 11:10
